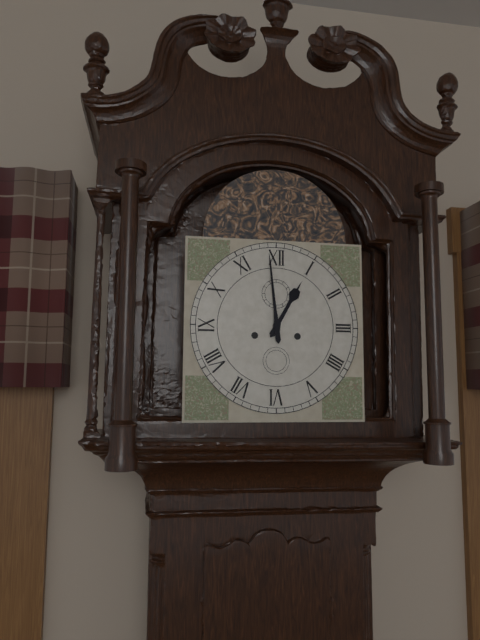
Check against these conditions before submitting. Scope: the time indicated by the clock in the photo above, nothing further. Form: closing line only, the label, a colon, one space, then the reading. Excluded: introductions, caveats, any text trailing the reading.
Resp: 12:59
